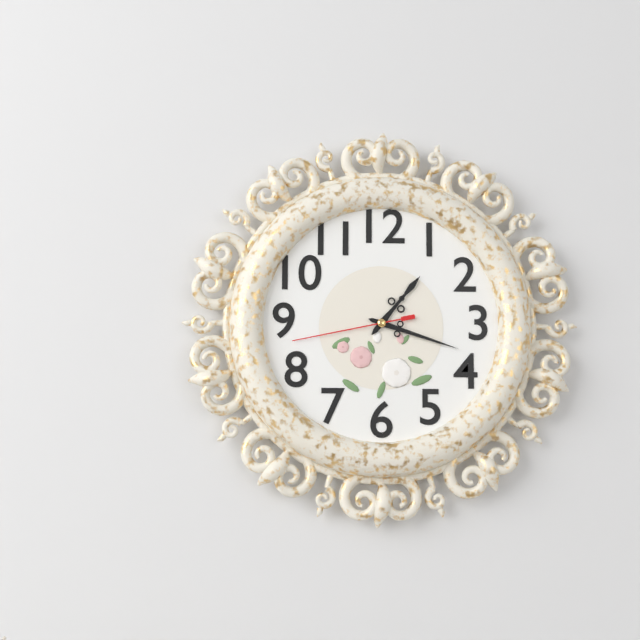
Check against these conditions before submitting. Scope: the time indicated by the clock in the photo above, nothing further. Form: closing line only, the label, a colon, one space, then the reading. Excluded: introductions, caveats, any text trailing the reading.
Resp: 1:18:43
